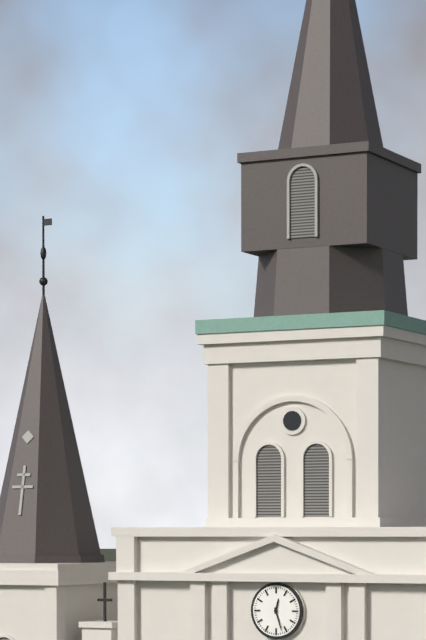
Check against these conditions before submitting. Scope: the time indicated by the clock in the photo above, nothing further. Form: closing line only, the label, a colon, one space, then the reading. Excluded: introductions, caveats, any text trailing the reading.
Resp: 12:27
